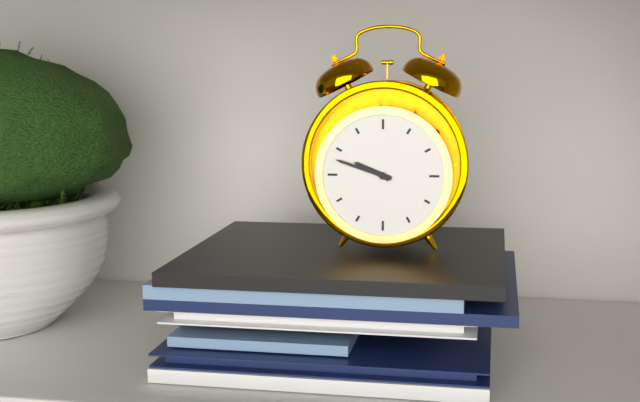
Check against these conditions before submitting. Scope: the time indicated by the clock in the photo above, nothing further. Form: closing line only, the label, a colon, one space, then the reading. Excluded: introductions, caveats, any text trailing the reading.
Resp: 9:48
